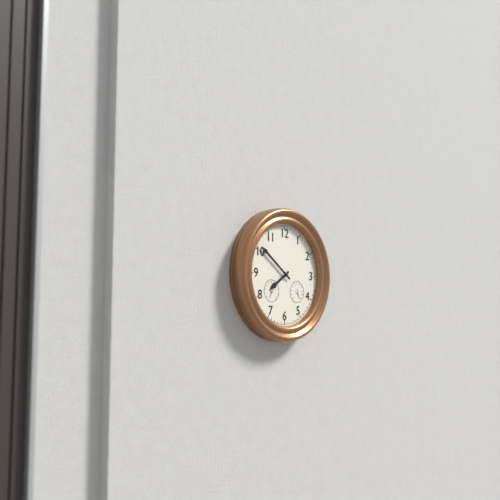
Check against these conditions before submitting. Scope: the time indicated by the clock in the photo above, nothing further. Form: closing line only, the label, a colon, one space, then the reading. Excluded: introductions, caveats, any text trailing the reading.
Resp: 7:51
